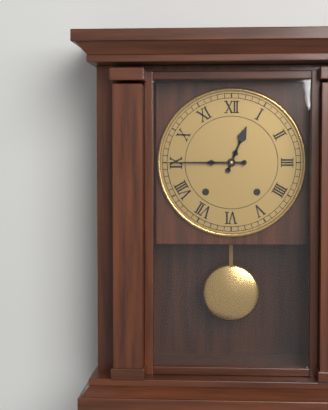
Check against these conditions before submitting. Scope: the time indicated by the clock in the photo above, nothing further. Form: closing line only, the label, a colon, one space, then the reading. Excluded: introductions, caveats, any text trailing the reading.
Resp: 12:45
